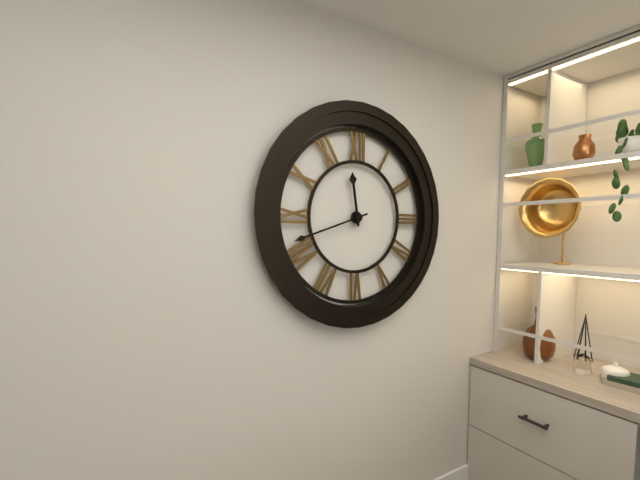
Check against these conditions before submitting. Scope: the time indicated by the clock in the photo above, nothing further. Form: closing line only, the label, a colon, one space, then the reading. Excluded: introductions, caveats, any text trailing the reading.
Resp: 11:42
